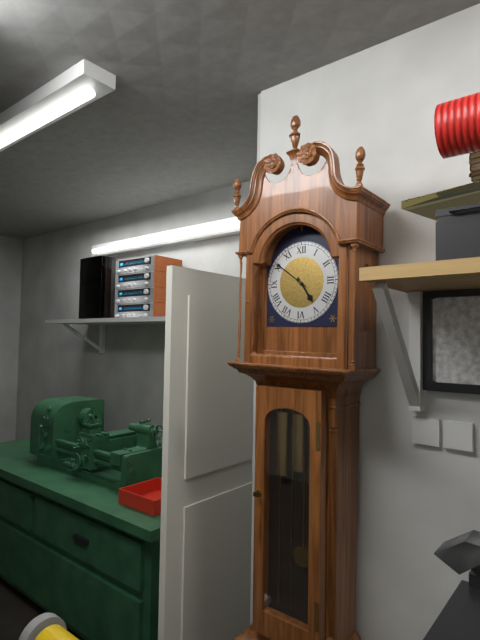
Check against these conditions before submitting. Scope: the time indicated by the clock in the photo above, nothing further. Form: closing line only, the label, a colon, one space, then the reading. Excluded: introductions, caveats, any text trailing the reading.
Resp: 4:51
